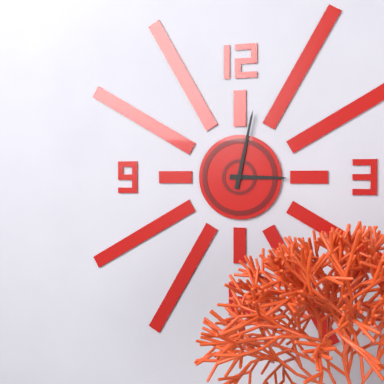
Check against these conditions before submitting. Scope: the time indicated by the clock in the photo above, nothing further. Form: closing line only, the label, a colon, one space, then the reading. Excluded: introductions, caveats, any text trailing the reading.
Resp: 3:02
